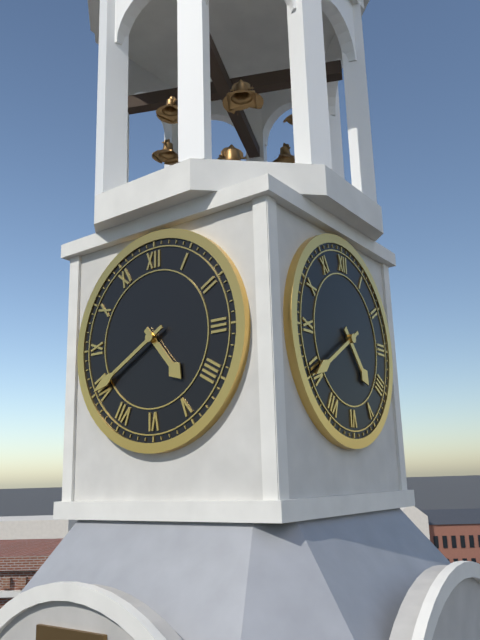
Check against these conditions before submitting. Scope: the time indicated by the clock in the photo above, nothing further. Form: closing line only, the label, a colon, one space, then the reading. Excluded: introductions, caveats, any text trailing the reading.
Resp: 4:40
